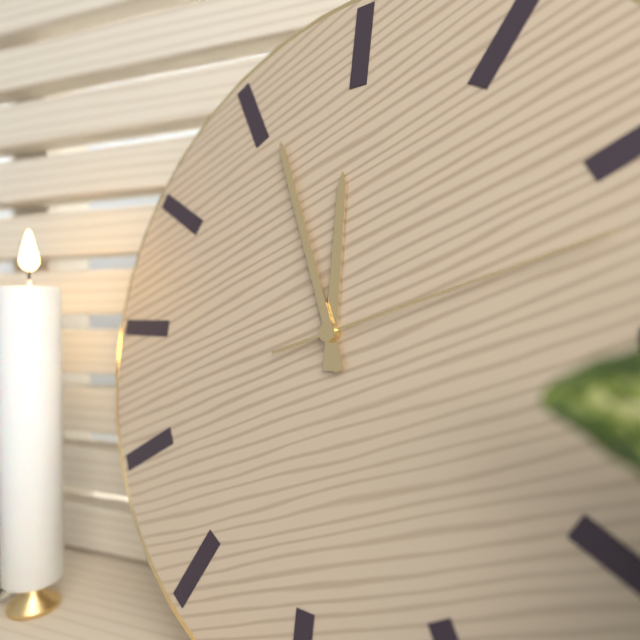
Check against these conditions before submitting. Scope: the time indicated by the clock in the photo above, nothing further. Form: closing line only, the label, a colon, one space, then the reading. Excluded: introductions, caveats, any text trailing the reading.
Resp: 11:56:12
